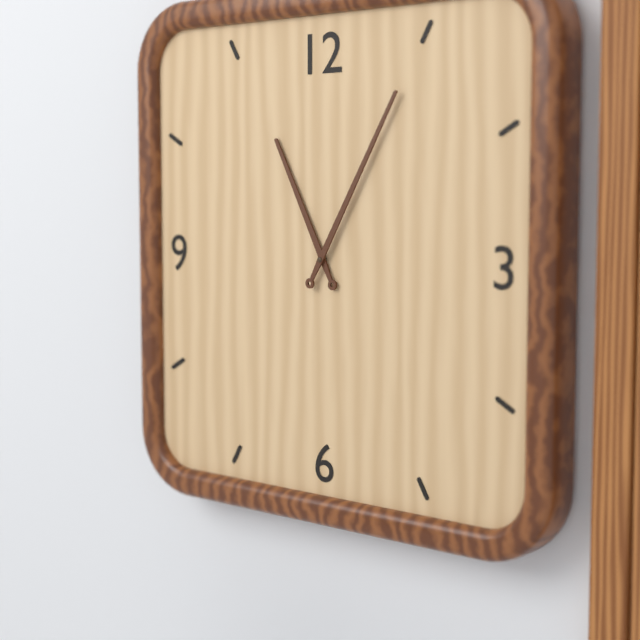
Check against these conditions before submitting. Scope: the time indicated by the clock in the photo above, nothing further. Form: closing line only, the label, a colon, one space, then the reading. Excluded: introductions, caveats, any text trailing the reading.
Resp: 11:05
